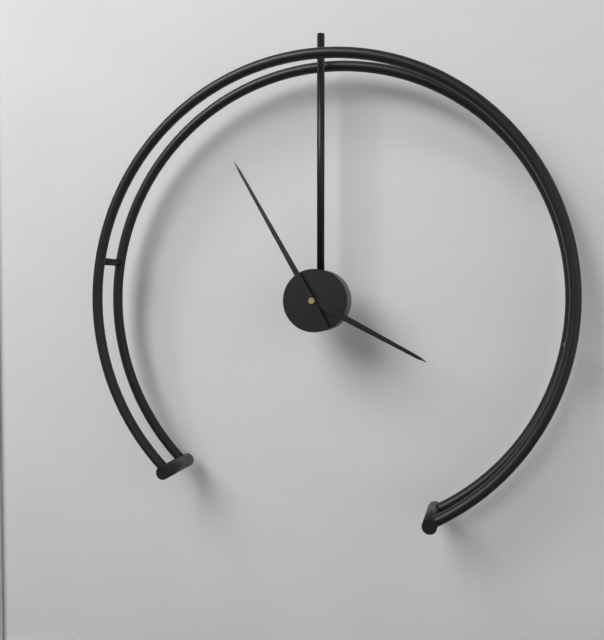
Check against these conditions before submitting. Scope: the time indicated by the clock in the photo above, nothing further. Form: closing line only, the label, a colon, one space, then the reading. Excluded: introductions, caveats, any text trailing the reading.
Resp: 3:55
